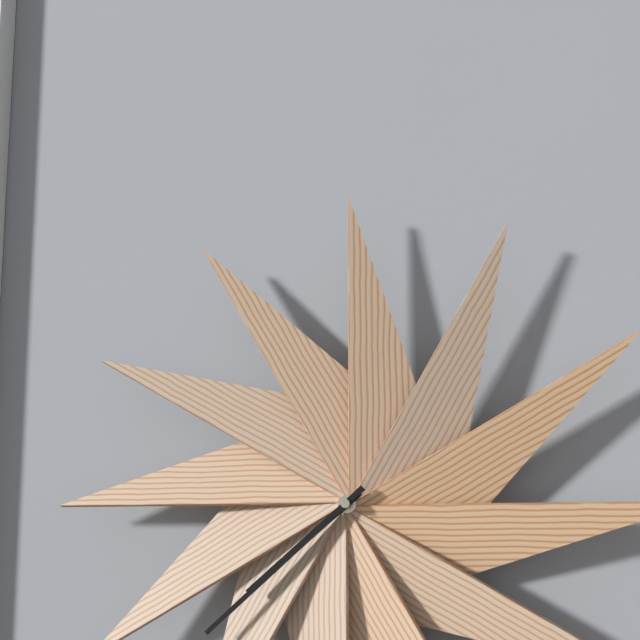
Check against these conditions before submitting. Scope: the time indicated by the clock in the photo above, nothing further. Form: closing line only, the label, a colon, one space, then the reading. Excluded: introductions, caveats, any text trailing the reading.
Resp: 7:38
